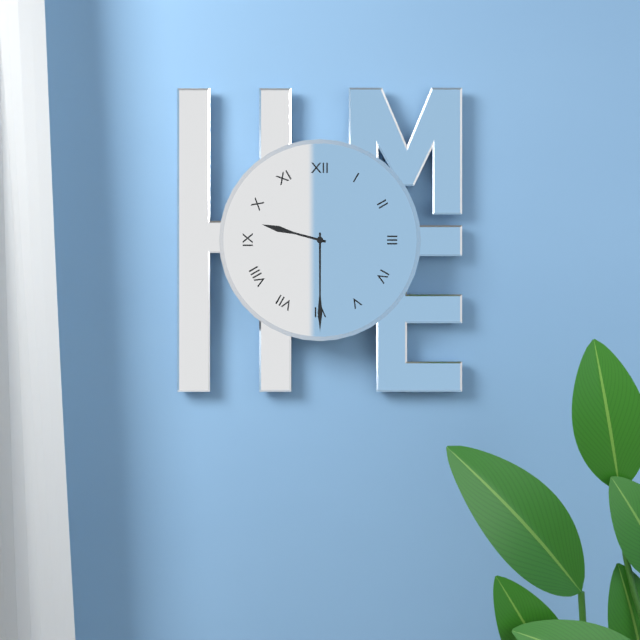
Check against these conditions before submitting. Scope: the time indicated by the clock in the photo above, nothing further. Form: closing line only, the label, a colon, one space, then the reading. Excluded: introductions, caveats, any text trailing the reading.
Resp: 9:30
